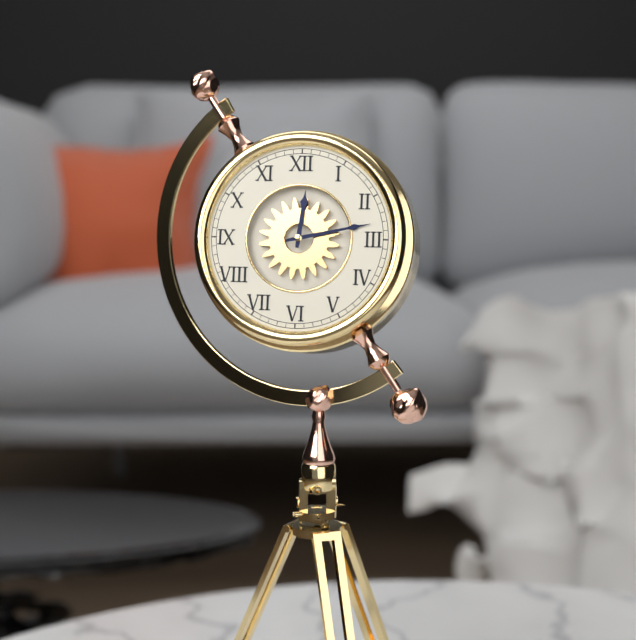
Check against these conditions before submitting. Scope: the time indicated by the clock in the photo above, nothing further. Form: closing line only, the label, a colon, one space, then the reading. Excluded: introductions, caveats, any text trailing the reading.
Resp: 12:13
